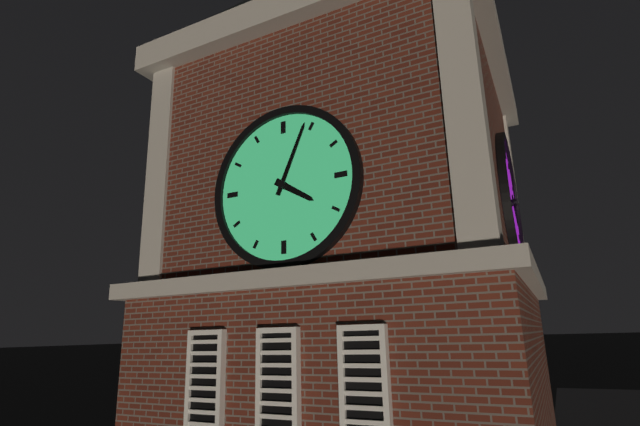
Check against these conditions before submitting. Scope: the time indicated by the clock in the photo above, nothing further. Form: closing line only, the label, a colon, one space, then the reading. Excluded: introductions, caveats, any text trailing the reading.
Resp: 4:04
